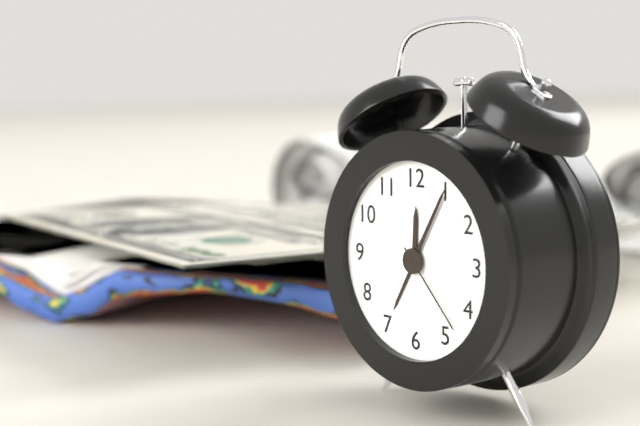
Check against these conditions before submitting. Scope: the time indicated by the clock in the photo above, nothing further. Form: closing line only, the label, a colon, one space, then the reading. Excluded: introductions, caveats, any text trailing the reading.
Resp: 12:05:23
